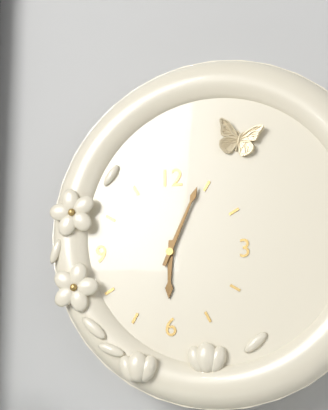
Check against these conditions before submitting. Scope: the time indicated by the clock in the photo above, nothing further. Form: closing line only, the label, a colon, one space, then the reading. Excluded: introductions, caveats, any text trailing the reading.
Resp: 6:04
